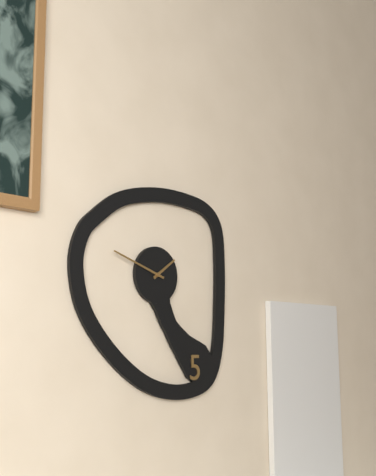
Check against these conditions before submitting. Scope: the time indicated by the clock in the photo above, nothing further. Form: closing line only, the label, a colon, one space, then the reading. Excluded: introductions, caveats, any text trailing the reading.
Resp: 1:48
